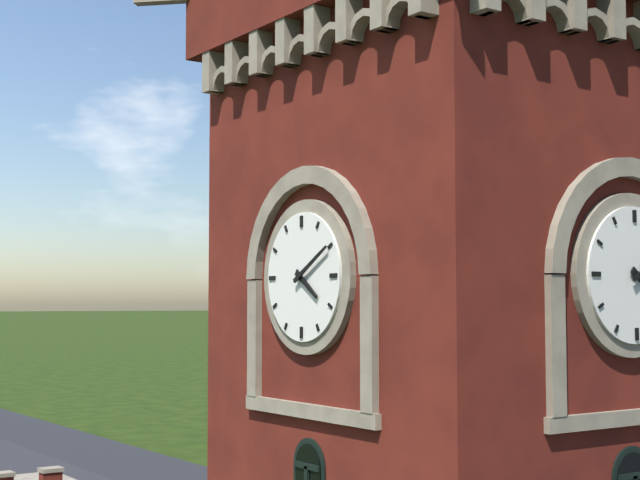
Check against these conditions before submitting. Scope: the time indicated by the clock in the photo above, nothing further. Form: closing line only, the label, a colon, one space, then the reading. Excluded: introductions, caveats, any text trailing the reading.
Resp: 4:10
